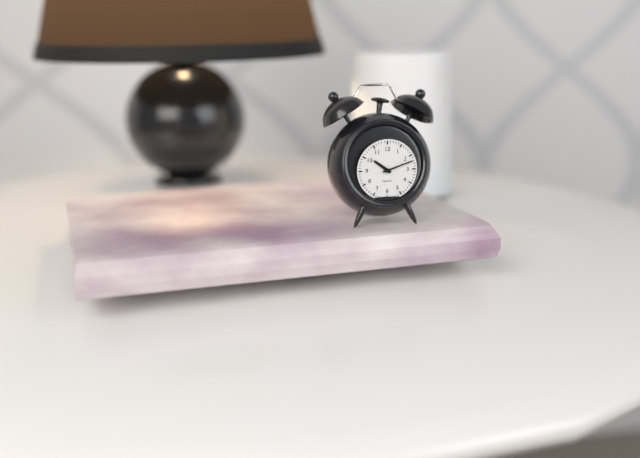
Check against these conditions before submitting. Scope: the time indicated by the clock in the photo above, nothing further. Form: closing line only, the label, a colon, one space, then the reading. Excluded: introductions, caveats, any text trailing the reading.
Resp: 10:12
